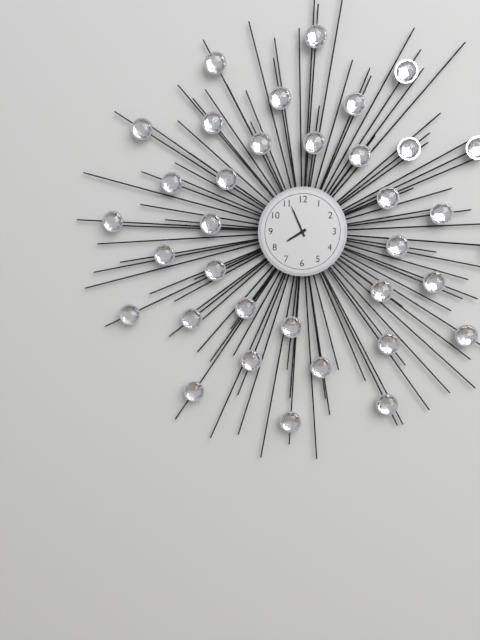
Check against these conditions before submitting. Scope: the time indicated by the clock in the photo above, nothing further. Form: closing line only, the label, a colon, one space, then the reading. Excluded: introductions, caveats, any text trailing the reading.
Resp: 7:56
